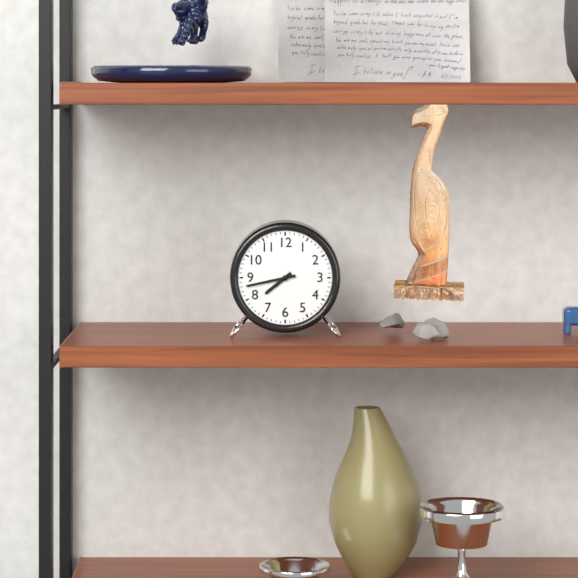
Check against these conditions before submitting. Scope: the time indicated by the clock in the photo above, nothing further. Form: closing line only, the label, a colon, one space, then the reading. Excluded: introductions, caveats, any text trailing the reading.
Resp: 7:43
